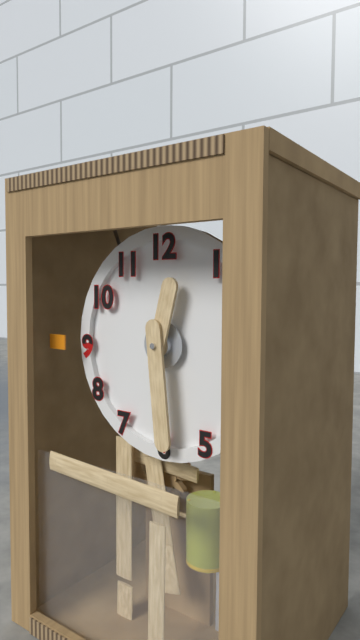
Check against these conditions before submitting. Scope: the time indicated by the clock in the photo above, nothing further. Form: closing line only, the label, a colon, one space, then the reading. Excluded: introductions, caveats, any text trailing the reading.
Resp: 12:29
